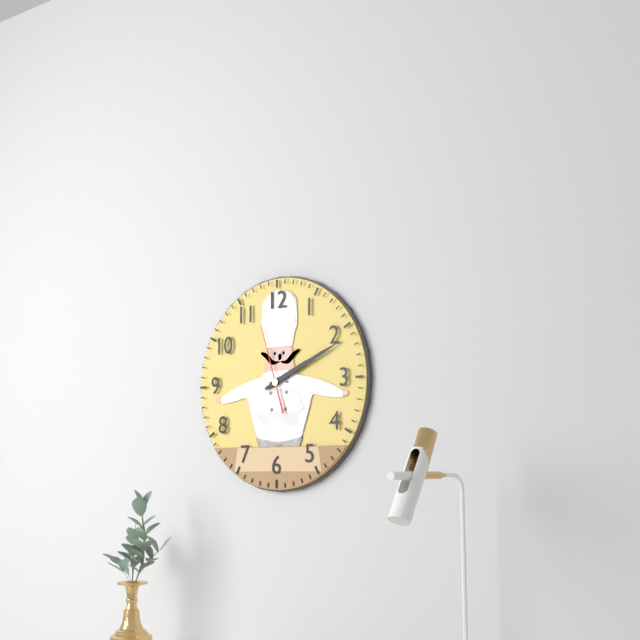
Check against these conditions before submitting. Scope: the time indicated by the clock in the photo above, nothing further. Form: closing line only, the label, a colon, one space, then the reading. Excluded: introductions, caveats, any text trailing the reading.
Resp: 2:11:57
